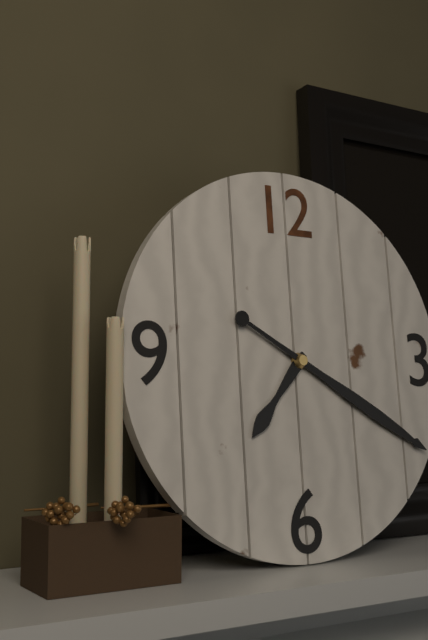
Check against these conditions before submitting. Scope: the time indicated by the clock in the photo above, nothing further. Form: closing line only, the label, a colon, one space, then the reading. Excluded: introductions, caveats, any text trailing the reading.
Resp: 7:20
